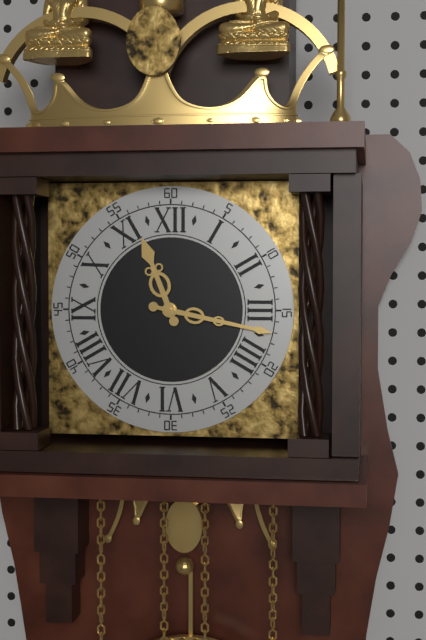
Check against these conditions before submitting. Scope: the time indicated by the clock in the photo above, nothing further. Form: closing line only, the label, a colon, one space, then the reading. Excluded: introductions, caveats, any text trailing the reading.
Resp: 11:17
